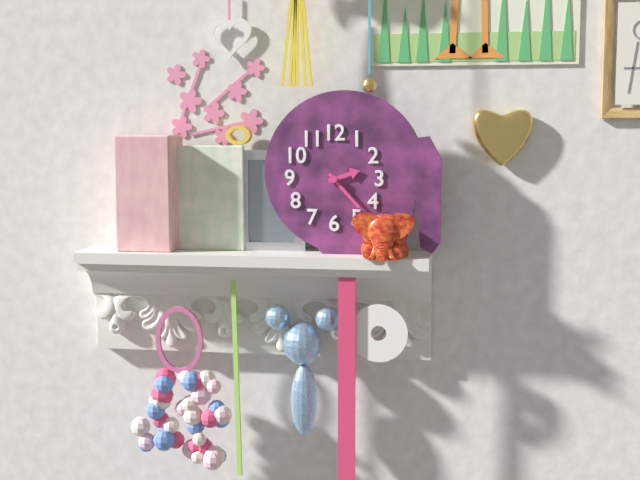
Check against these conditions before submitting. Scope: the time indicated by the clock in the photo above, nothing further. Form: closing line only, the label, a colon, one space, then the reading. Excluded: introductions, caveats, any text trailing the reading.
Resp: 2:23
